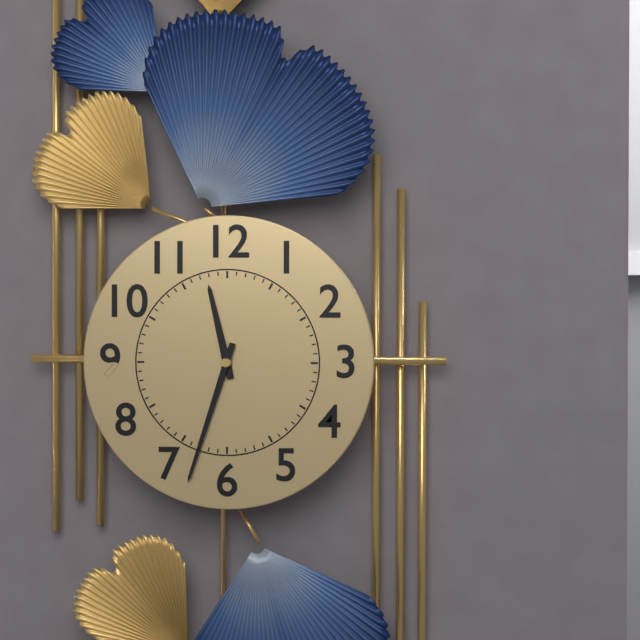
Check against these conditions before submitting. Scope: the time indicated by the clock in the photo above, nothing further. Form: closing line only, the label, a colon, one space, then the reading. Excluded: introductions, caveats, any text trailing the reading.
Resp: 11:33
